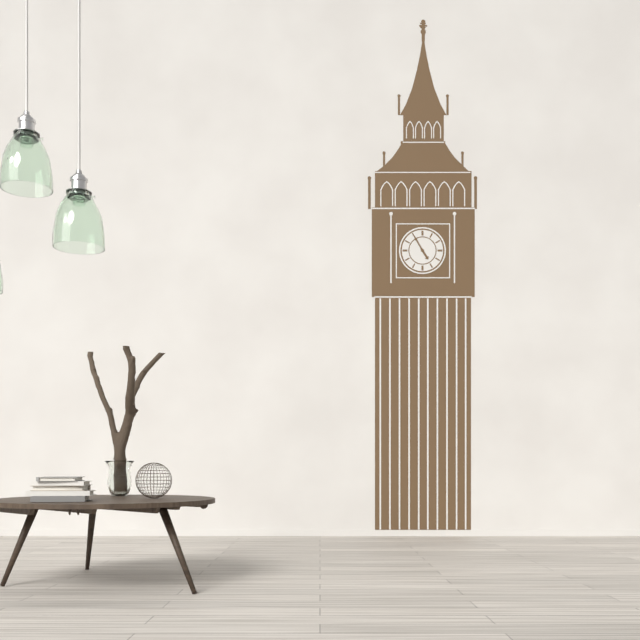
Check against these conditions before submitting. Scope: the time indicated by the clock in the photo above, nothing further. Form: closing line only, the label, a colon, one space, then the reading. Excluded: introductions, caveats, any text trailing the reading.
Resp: 4:55
